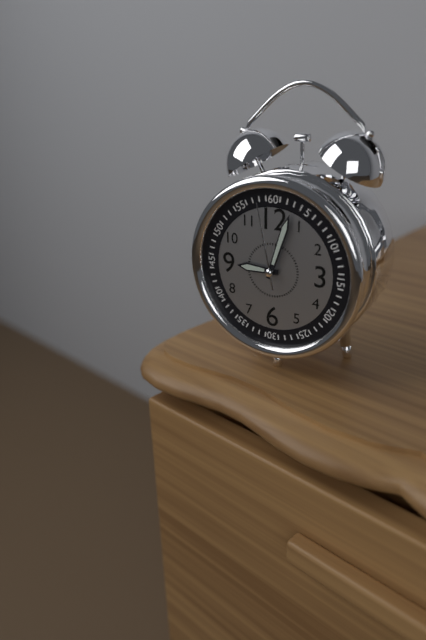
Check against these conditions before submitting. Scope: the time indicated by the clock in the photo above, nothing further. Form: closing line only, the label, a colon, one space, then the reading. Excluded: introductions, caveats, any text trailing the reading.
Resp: 9:03:58
